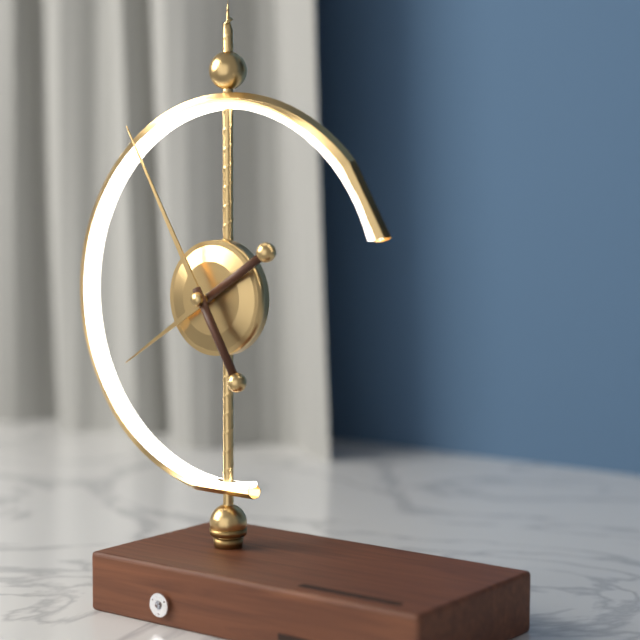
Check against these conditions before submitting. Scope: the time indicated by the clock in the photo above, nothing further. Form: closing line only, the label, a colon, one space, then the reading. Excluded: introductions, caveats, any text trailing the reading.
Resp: 7:55
